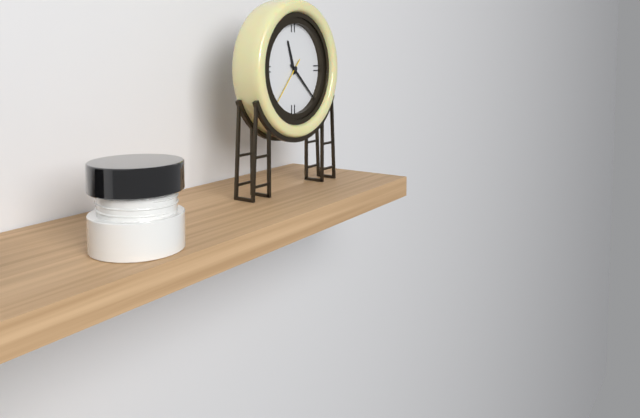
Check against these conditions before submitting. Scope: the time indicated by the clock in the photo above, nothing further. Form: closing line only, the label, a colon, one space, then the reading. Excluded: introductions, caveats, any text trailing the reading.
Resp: 11:22:37
